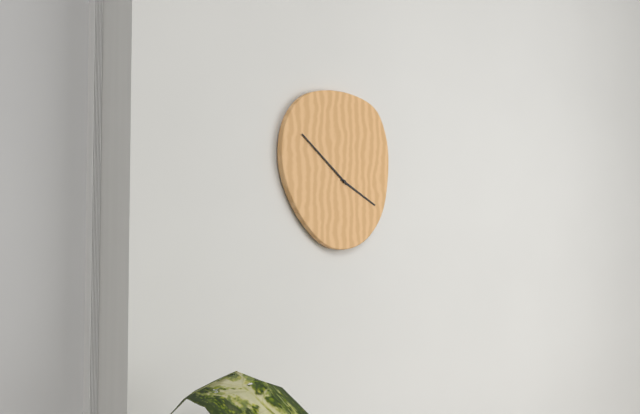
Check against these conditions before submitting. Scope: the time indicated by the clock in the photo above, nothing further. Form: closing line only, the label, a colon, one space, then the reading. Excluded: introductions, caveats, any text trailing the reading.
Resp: 3:51
